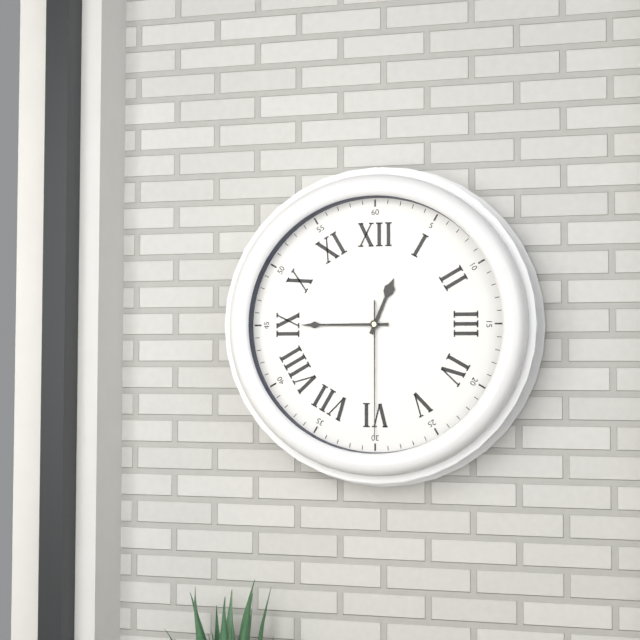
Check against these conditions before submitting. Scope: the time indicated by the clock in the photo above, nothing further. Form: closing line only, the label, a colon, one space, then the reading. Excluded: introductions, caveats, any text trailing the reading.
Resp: 12:45:30
